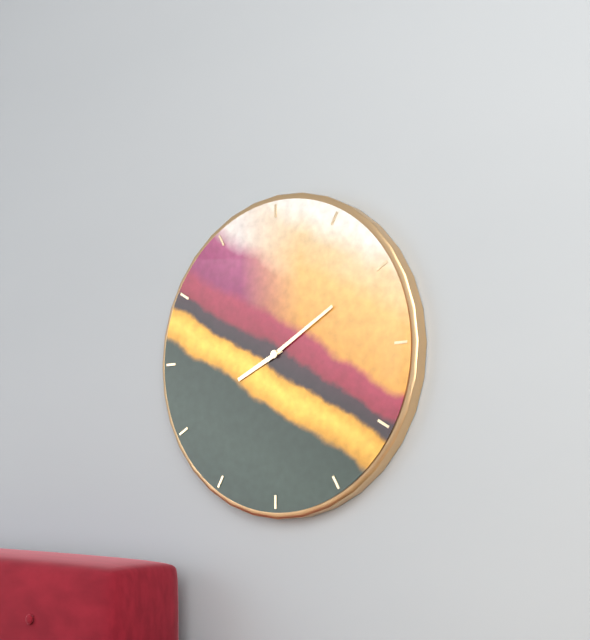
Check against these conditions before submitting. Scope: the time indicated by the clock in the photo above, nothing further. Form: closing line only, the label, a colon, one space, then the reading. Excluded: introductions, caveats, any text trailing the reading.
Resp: 8:10
